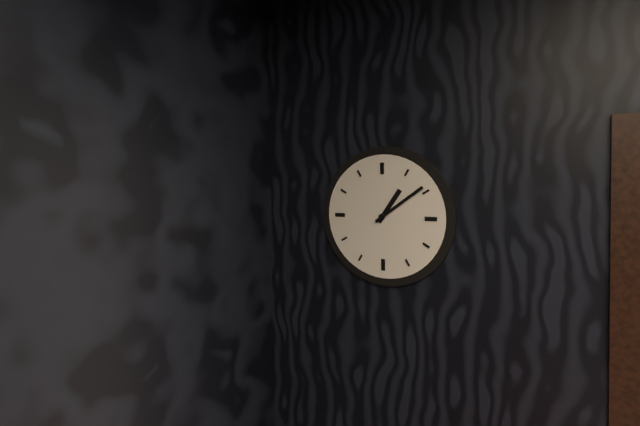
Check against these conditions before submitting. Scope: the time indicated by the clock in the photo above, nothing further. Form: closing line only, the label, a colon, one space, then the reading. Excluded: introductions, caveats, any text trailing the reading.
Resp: 1:09
